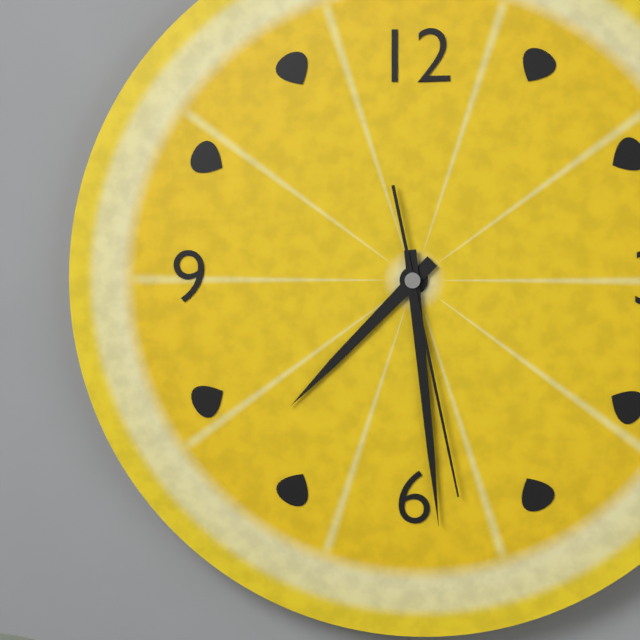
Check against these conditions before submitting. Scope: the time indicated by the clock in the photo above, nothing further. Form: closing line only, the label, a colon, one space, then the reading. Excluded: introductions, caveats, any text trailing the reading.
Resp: 7:29:28
